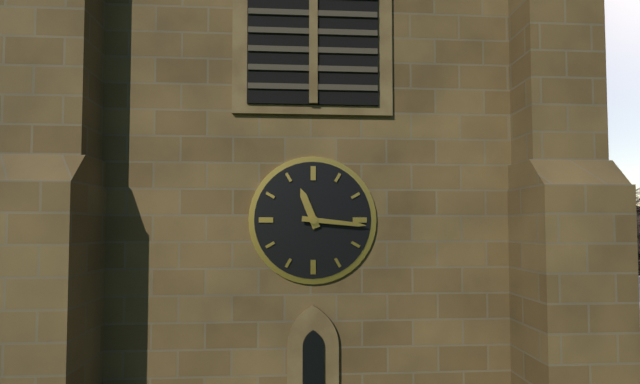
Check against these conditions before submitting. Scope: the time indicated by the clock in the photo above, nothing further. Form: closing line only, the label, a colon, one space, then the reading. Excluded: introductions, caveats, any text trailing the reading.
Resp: 11:16
